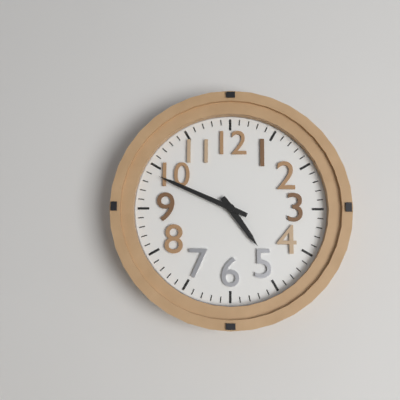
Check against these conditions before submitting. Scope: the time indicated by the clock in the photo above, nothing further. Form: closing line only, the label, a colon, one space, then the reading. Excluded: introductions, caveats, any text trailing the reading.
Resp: 4:49
